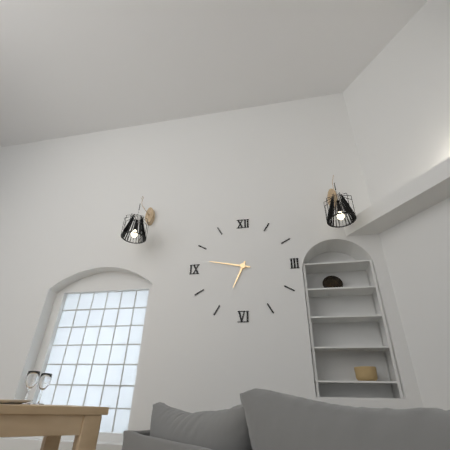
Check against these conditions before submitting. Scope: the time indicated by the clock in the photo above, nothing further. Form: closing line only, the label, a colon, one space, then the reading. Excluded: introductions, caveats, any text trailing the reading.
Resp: 6:47
